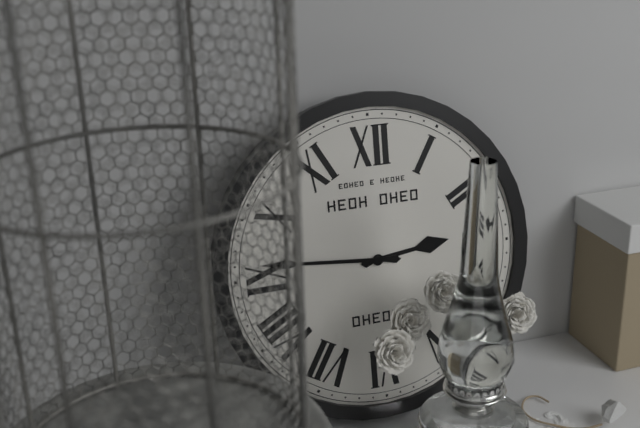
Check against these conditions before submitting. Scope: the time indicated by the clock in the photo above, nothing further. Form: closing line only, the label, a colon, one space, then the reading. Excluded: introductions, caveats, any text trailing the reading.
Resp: 2:46
